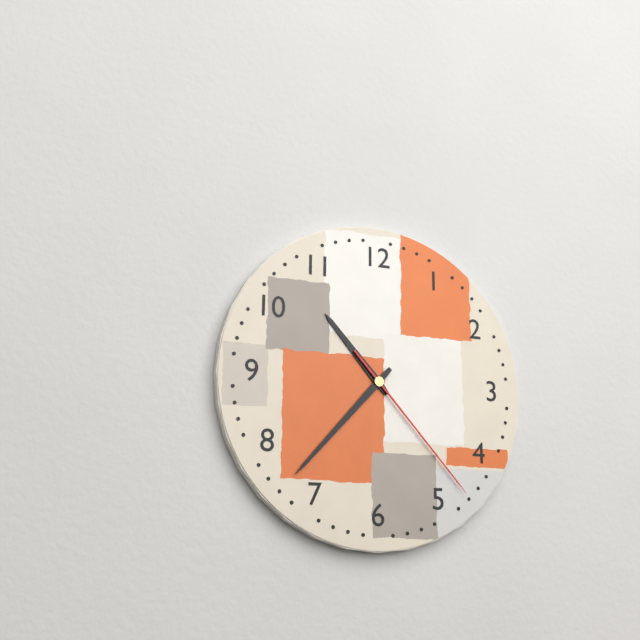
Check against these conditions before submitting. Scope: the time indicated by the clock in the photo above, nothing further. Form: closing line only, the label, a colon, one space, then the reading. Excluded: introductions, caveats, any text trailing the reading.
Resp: 10:37:23
